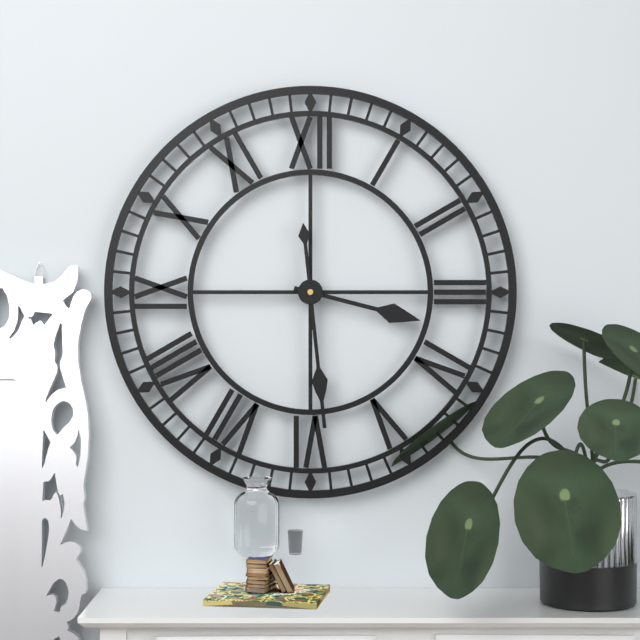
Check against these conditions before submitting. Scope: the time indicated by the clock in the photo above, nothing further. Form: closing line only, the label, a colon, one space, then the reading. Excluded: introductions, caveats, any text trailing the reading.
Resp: 3:29
